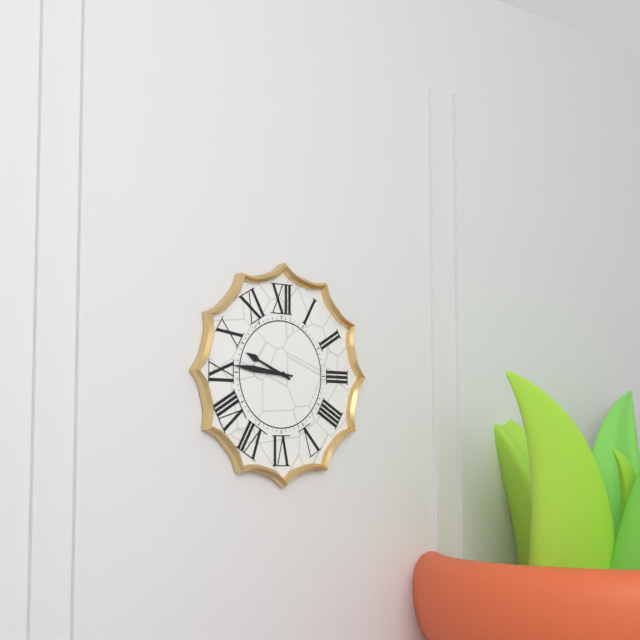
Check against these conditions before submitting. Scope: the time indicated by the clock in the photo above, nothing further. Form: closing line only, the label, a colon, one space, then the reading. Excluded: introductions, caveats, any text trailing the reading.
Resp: 9:46
